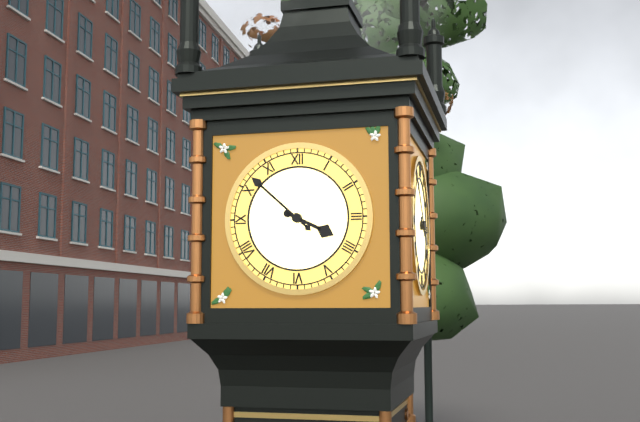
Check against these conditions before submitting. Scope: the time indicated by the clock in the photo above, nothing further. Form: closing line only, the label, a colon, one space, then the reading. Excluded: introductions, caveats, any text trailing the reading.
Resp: 3:52
